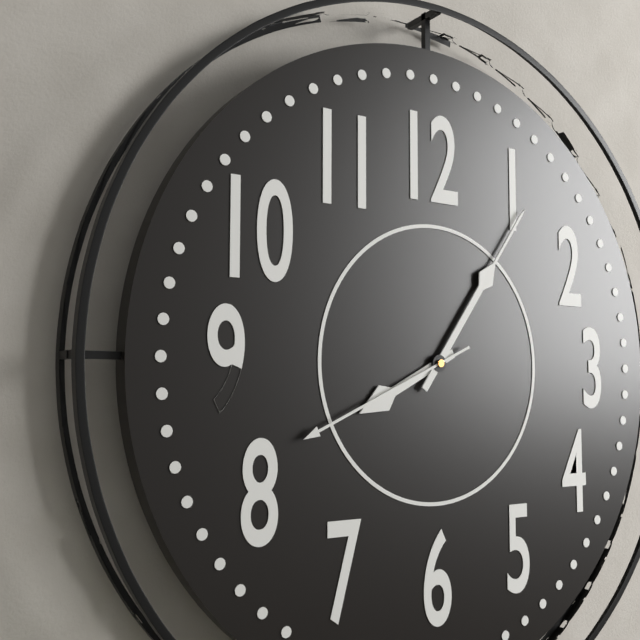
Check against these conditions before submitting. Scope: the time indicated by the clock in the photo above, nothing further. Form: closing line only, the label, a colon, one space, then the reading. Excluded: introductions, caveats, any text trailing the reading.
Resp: 8:06:41
